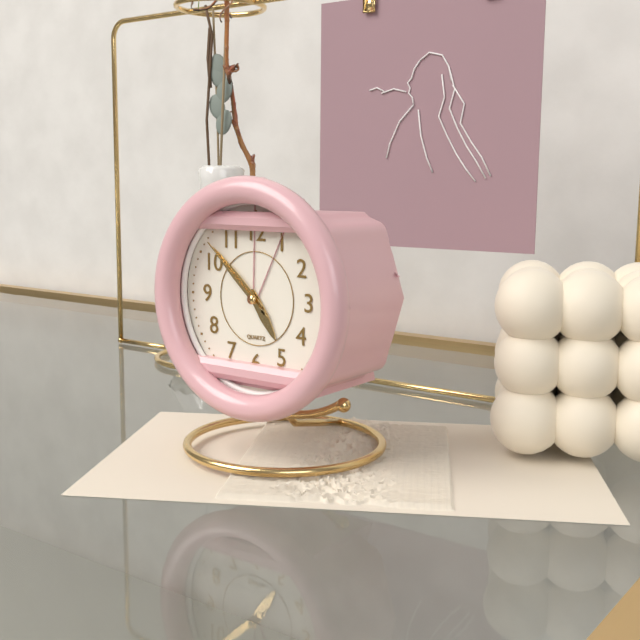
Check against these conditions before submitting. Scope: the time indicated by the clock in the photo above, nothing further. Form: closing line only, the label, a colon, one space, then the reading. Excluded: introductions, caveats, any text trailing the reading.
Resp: 4:52:52
